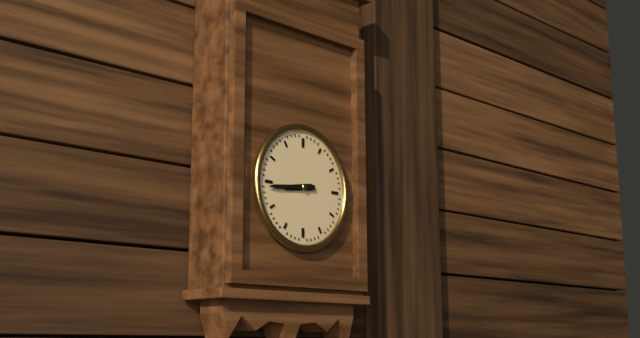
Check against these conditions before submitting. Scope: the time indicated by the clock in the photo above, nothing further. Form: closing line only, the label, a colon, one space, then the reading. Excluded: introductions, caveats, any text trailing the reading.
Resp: 8:44
